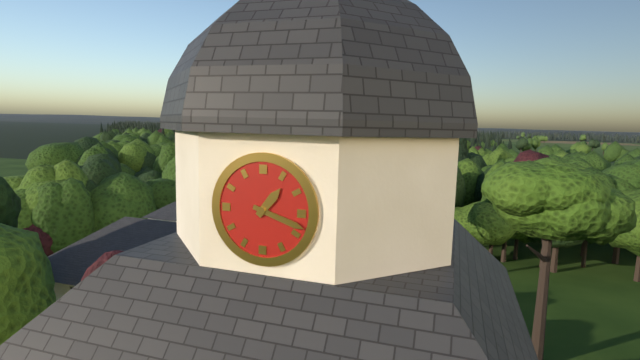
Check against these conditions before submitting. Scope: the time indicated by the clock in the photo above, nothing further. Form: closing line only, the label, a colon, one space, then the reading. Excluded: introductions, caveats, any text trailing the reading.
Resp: 1:18
